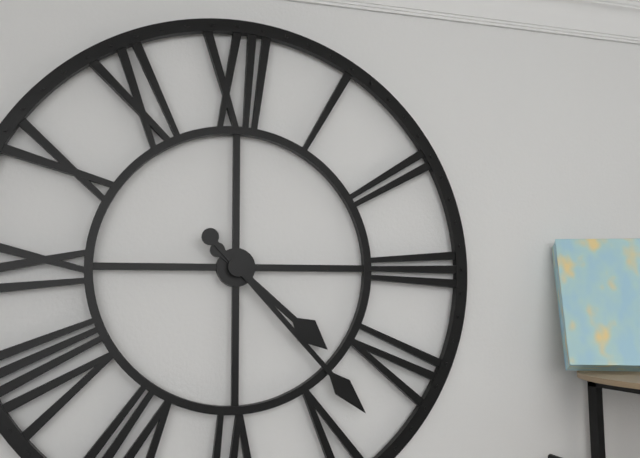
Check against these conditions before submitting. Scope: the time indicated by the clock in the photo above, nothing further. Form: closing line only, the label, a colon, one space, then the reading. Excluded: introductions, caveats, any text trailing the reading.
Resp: 4:23
